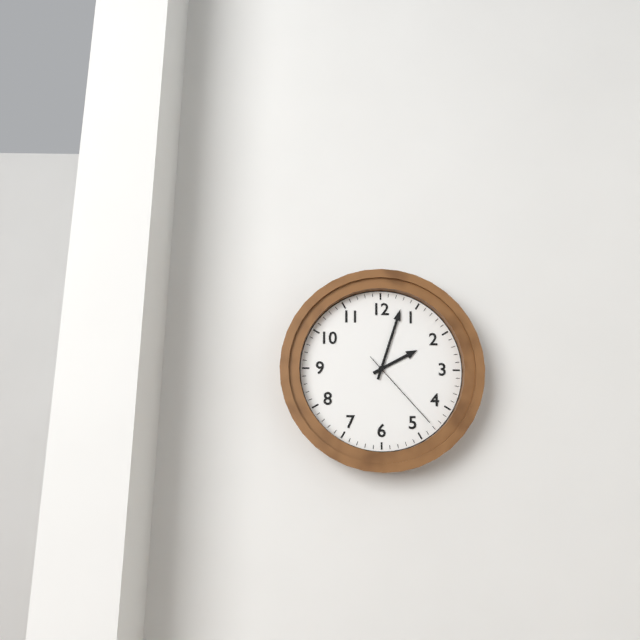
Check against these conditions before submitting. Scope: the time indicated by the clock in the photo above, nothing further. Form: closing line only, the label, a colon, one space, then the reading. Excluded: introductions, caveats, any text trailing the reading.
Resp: 2:03:23
